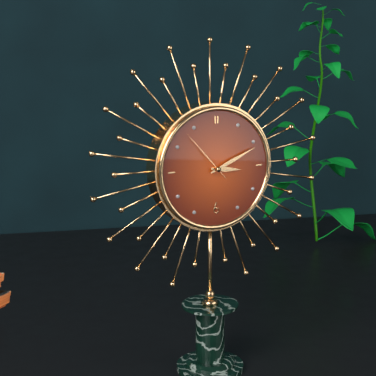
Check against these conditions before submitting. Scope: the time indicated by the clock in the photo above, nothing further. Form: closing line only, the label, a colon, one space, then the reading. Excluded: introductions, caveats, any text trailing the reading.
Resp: 3:11:53
